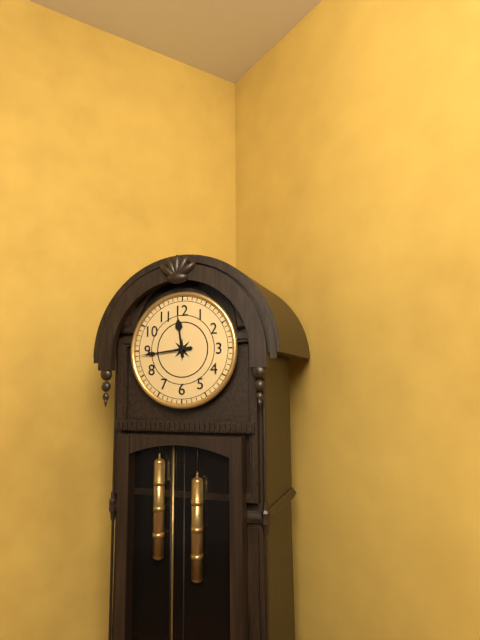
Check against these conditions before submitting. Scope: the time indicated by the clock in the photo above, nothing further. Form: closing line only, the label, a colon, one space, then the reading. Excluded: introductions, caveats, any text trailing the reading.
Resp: 11:44
